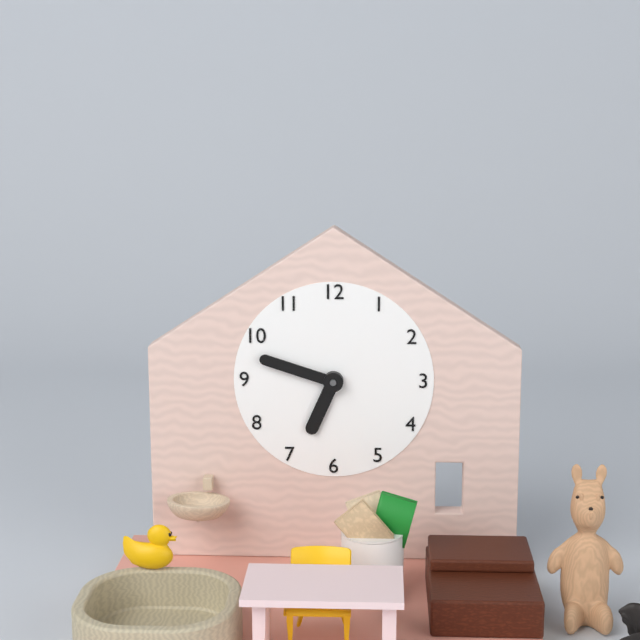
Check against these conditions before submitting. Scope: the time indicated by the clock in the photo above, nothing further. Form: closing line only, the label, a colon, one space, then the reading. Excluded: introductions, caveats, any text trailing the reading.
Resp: 6:48
